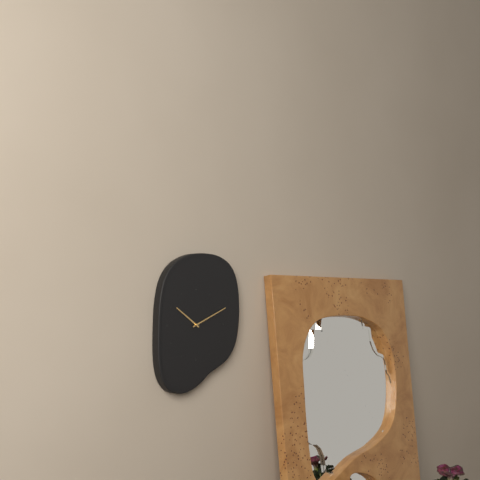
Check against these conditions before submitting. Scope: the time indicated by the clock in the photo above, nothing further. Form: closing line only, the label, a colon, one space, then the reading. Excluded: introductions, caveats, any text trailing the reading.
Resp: 10:11
